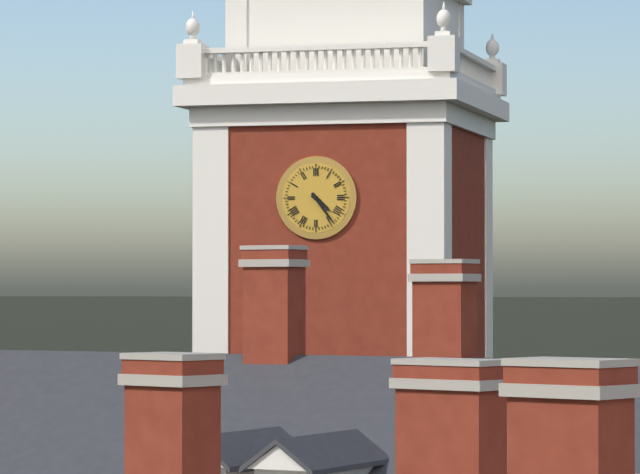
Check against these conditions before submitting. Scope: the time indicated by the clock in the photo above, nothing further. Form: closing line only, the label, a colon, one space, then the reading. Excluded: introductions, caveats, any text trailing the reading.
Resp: 4:24
